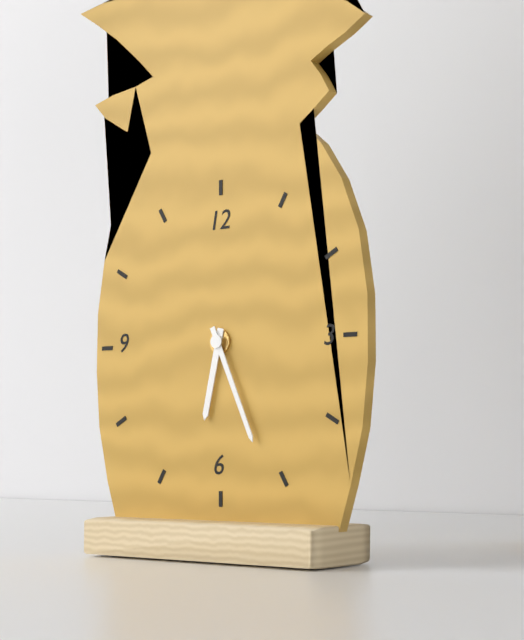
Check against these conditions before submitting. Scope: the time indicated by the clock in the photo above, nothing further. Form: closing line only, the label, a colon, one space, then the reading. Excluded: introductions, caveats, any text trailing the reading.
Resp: 6:26
